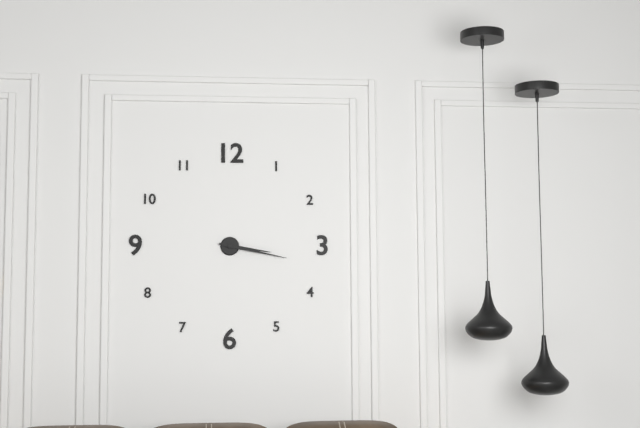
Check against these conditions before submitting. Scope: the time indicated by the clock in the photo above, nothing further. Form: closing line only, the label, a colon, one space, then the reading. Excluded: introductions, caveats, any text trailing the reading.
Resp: 3:17
